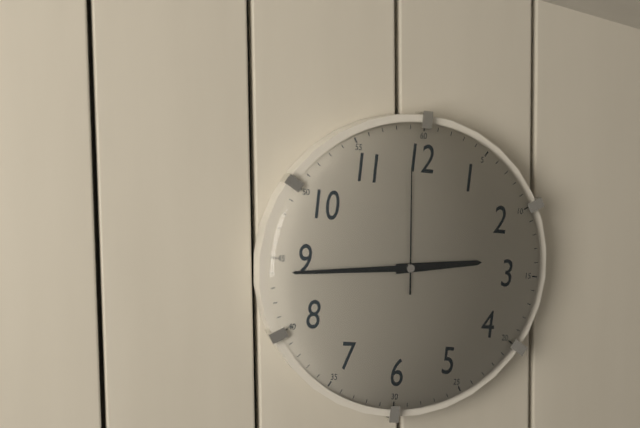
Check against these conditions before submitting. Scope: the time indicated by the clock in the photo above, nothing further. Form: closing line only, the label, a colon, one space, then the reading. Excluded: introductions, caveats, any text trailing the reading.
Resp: 2:44:59
